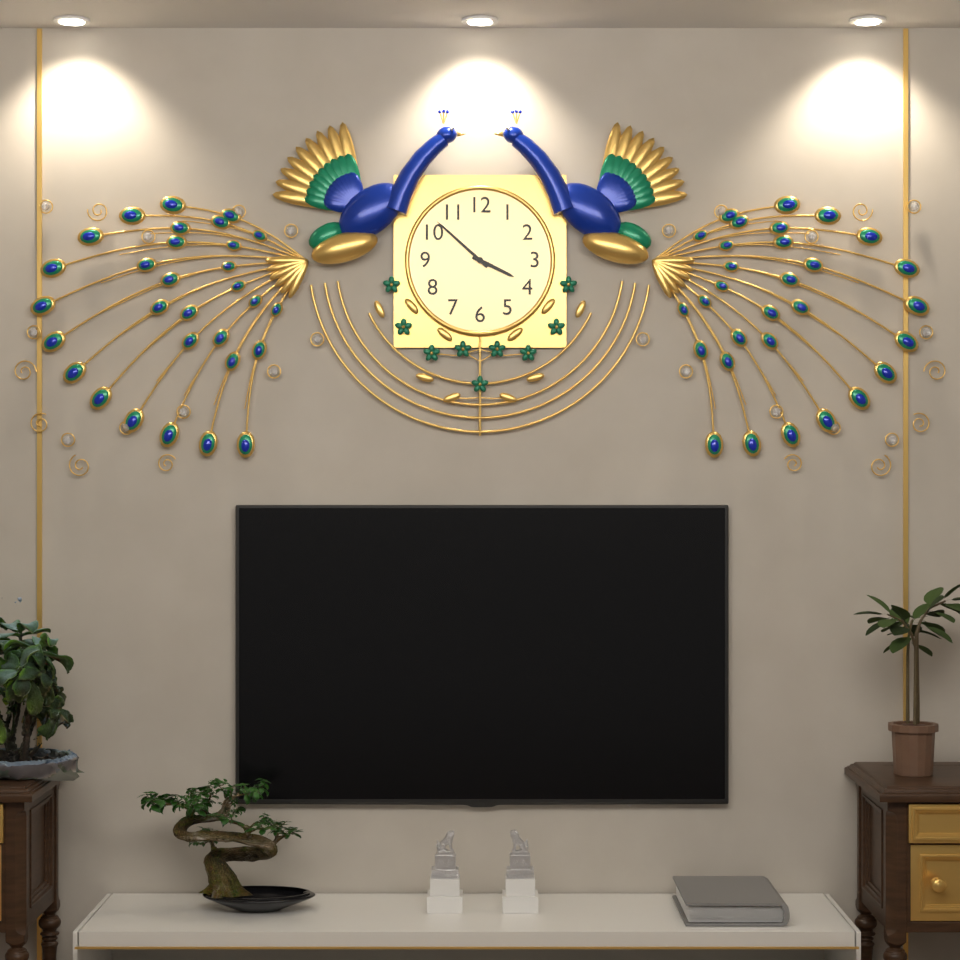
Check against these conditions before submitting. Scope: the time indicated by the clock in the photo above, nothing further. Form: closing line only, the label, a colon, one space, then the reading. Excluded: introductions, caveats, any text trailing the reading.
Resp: 3:52
